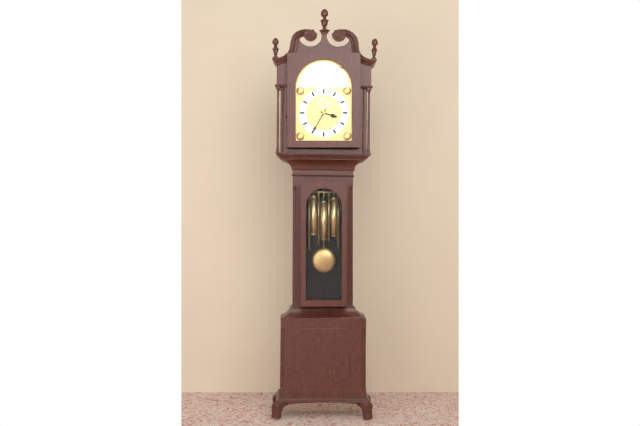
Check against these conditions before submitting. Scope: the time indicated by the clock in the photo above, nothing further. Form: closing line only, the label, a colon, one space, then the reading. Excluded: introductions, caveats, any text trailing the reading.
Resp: 3:35
